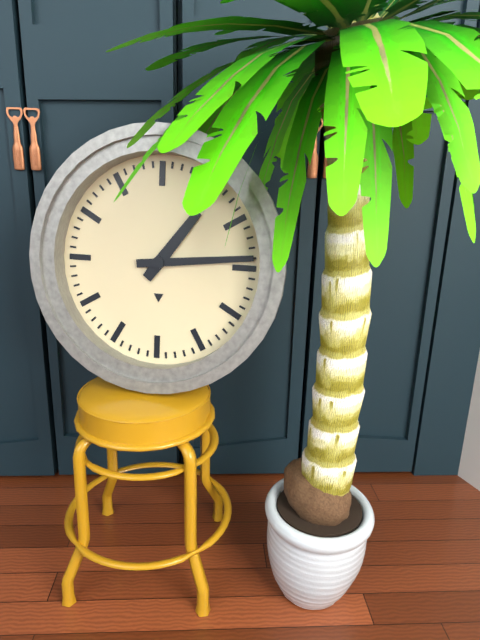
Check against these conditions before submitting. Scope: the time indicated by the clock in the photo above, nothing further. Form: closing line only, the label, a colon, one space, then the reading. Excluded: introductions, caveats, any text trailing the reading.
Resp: 1:14
